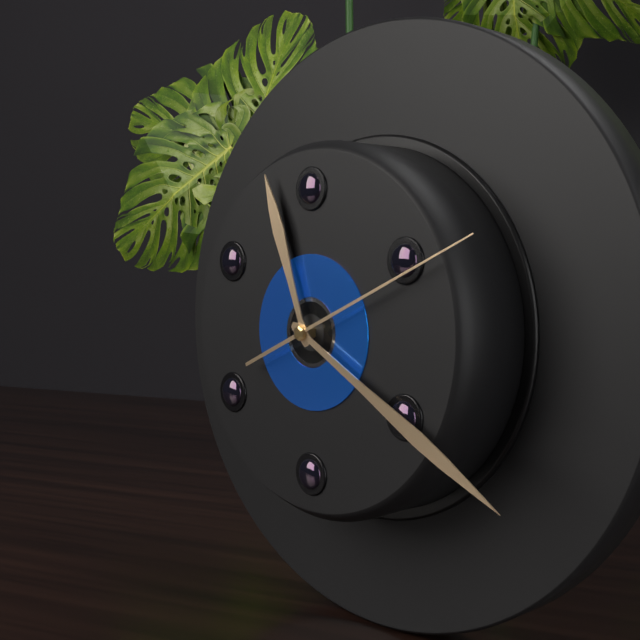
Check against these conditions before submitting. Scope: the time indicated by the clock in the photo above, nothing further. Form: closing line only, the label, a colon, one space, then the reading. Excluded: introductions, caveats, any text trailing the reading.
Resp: 11:20:11
